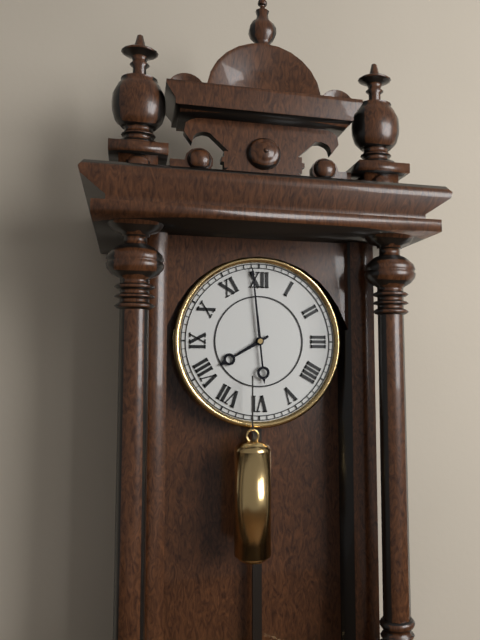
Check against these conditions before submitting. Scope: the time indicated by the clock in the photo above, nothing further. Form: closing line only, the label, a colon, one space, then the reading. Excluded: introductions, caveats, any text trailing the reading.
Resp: 7:59
